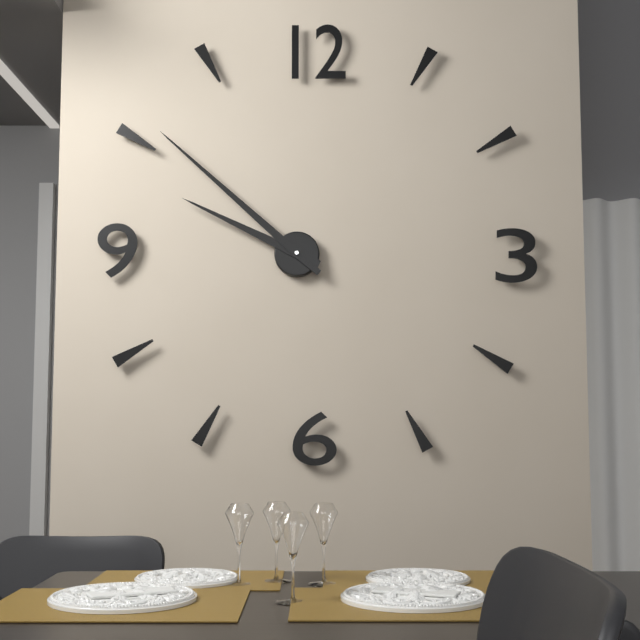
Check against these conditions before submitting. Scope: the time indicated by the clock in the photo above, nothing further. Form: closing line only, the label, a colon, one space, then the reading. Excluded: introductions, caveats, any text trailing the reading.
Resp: 9:52
